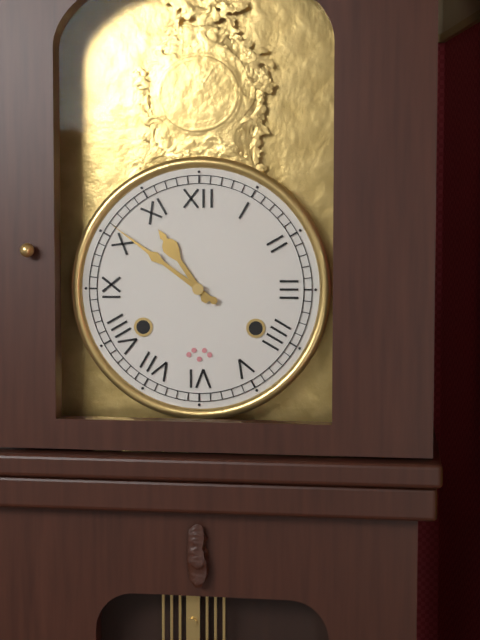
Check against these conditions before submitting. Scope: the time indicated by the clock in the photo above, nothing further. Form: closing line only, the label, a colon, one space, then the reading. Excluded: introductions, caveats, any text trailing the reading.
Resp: 10:51
